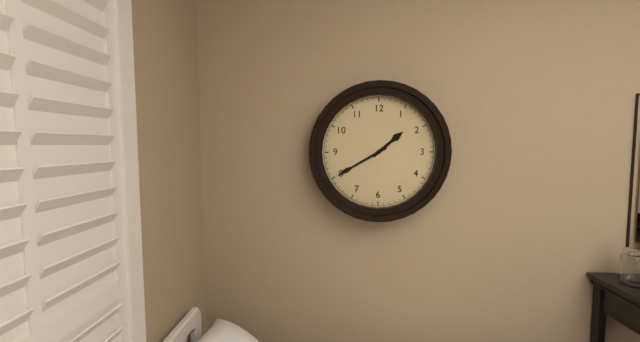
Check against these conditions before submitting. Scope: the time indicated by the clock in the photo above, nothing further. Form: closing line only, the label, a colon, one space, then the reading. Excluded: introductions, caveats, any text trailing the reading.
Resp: 1:40
